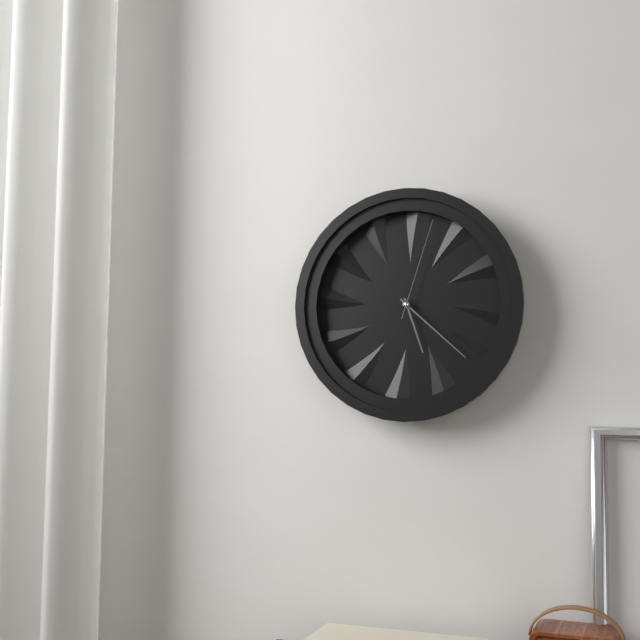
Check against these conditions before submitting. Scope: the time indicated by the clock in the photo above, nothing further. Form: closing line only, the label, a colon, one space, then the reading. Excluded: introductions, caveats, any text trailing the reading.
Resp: 5:22:03
